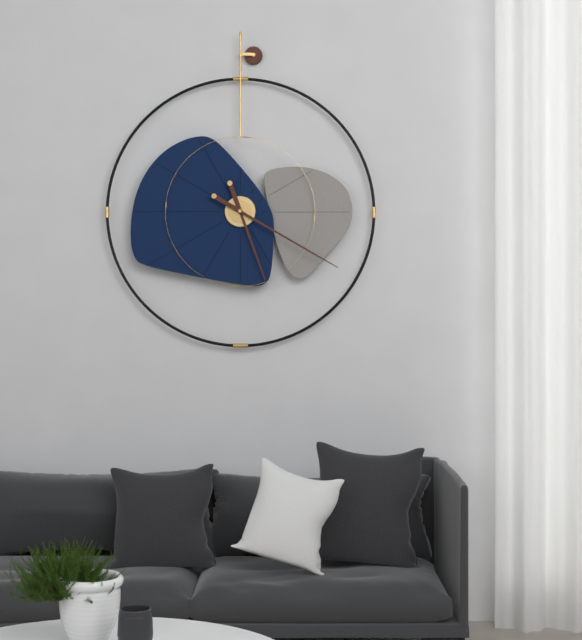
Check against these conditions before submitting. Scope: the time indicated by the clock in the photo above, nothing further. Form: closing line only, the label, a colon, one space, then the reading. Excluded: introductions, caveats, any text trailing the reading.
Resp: 5:20
